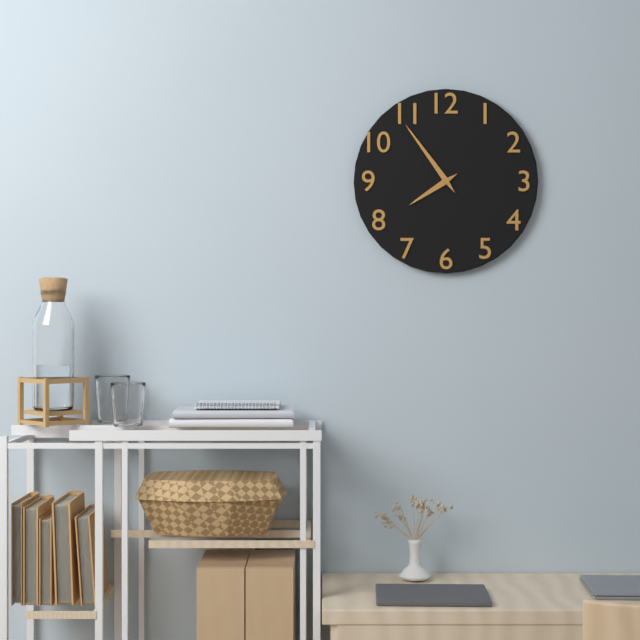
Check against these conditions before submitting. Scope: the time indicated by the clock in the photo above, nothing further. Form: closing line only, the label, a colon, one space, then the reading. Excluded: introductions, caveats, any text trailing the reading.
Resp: 7:54
